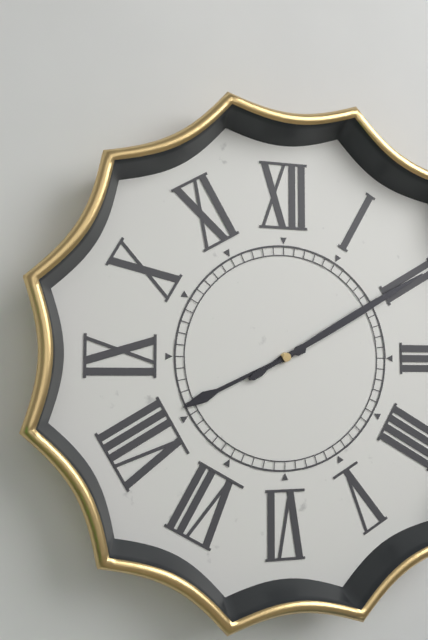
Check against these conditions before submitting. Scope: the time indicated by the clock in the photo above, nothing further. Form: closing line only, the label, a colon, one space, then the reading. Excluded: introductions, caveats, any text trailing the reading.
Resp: 8:10
